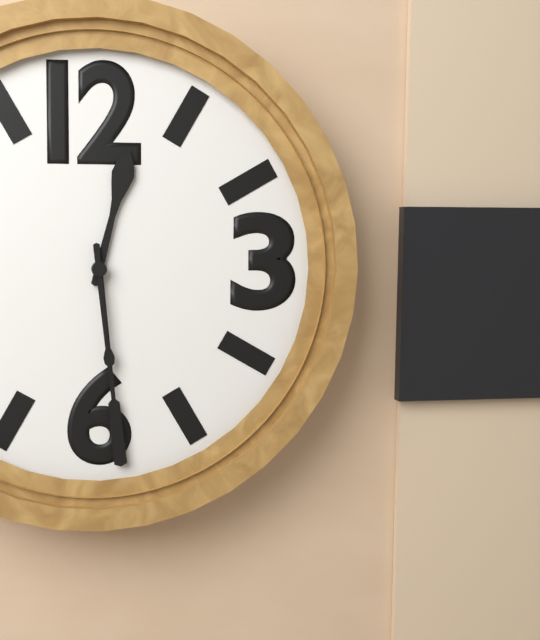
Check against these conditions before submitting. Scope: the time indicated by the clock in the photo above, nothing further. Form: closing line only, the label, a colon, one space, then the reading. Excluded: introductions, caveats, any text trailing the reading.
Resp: 12:29:29
